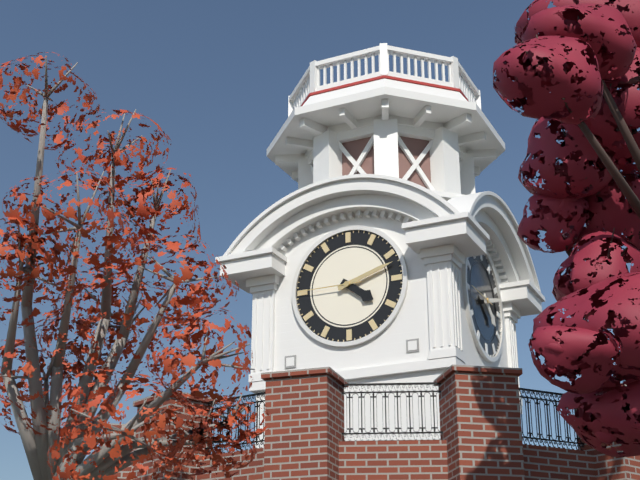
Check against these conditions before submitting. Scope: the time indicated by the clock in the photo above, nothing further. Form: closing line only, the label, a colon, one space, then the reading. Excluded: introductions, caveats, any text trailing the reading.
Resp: 4:12:45
